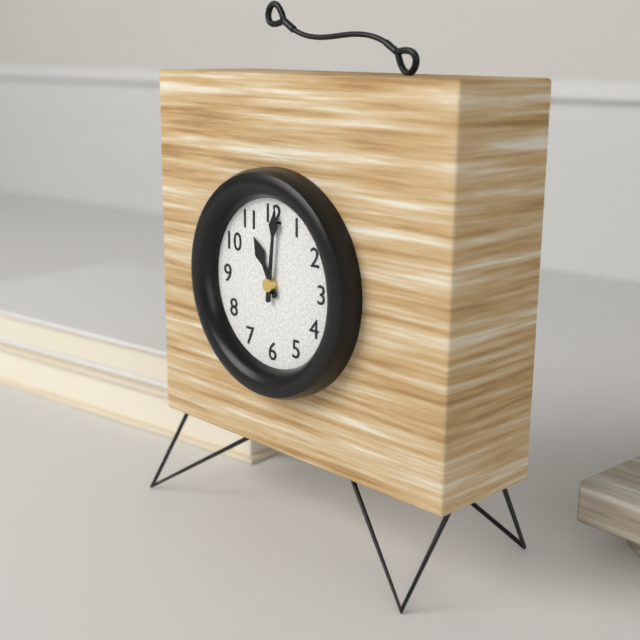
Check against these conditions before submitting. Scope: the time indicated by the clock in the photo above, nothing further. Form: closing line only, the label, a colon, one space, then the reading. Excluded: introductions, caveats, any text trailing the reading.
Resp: 11:01
